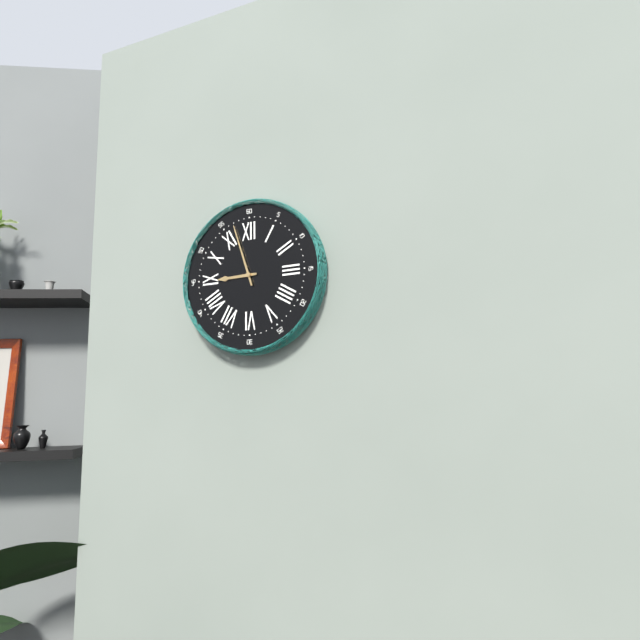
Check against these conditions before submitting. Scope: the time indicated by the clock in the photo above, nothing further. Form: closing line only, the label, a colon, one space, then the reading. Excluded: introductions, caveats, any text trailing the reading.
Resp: 8:57
